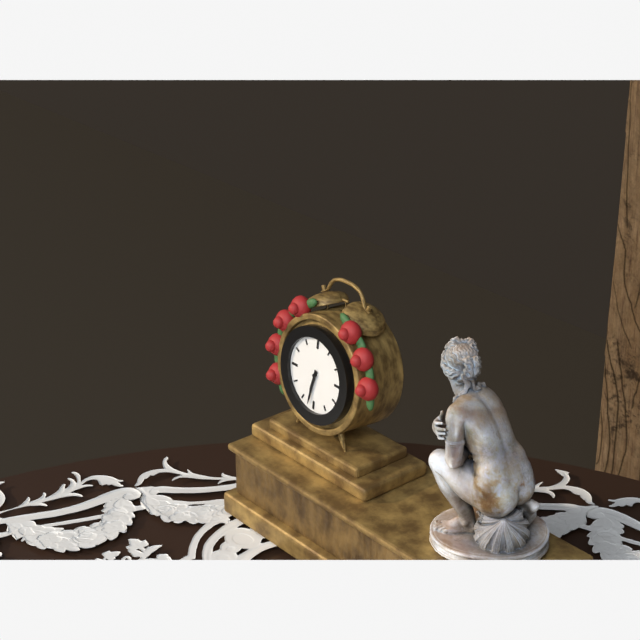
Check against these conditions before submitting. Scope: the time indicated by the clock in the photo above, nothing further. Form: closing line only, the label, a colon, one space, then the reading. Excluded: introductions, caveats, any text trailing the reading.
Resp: 6:32
